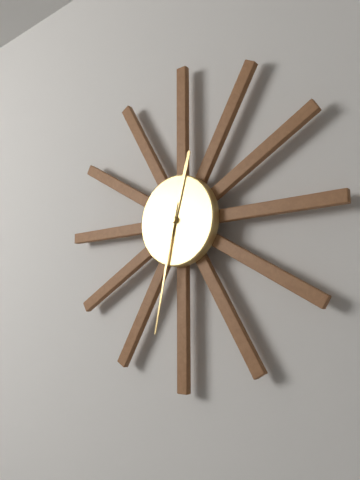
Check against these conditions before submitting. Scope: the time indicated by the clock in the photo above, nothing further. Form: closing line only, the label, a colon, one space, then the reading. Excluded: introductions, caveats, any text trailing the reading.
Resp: 12:32
